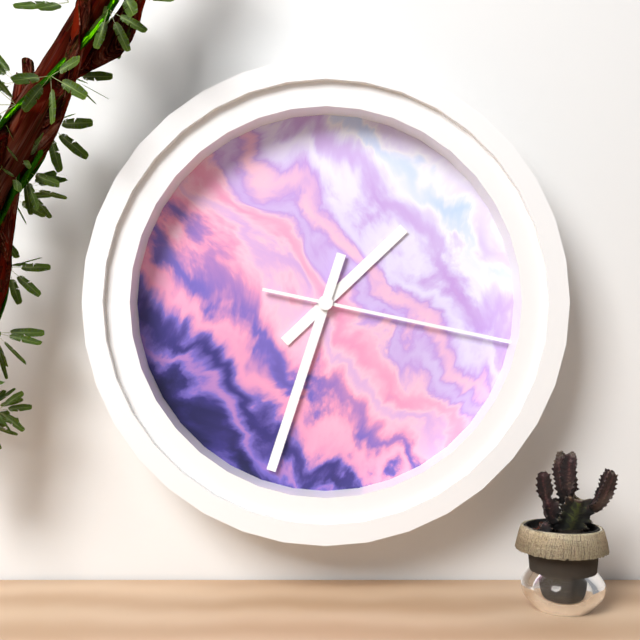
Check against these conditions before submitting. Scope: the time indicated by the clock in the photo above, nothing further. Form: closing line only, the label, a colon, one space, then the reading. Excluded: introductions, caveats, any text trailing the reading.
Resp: 1:33:17
